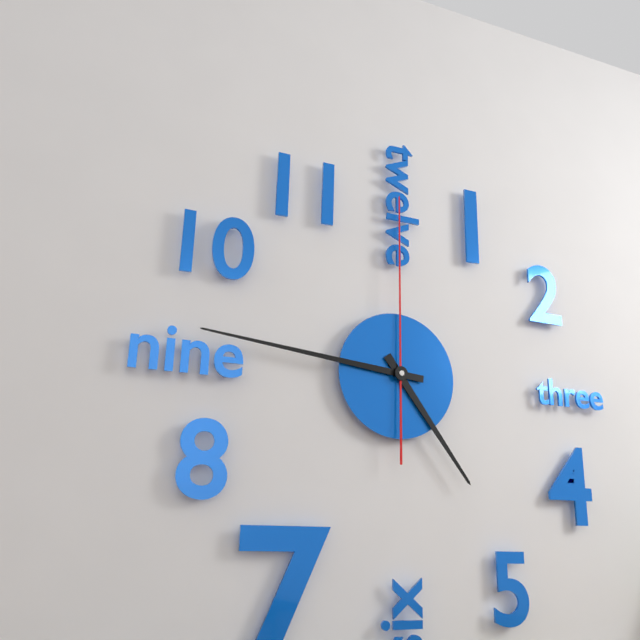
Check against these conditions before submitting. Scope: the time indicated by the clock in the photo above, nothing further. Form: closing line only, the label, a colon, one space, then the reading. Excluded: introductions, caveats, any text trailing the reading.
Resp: 4:46:00
